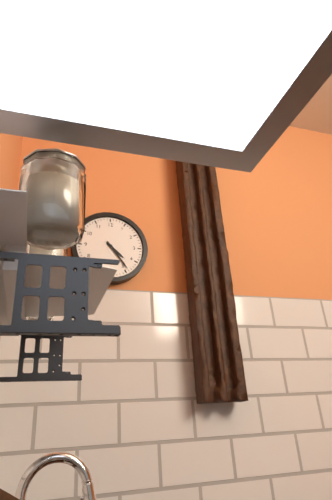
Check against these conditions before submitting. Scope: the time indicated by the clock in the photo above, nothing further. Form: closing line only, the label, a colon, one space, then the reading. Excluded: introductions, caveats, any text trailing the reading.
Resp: 4:24
